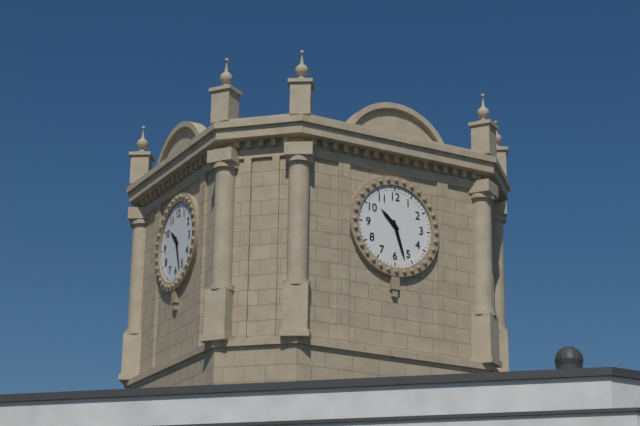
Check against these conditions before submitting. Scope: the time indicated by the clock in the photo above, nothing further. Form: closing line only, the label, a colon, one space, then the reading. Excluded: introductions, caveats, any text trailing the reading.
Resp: 10:27
